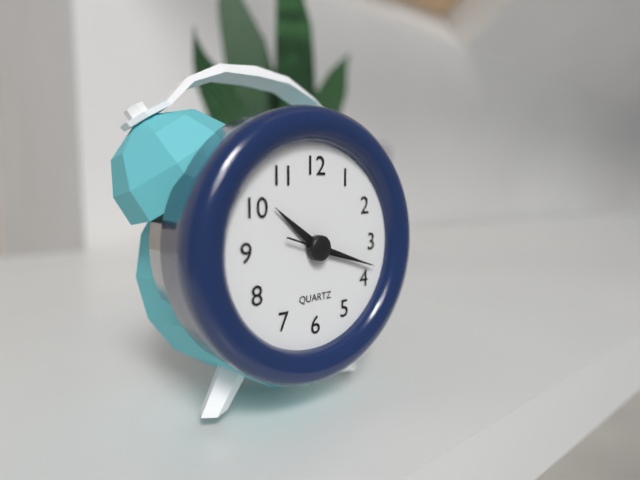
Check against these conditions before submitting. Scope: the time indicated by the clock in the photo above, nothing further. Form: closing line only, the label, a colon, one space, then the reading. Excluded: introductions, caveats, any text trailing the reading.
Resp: 10:18:18
